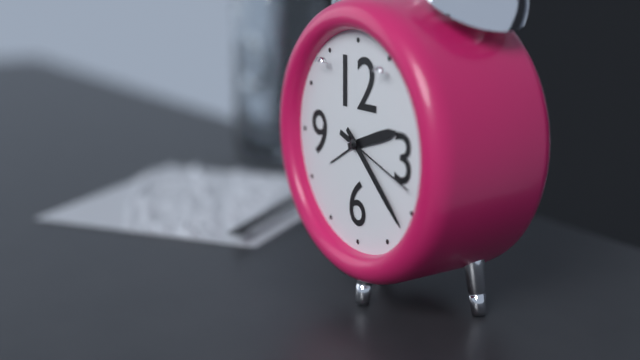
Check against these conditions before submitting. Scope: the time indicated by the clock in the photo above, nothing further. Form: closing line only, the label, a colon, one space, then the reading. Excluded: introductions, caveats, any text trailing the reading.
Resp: 2:22:18
